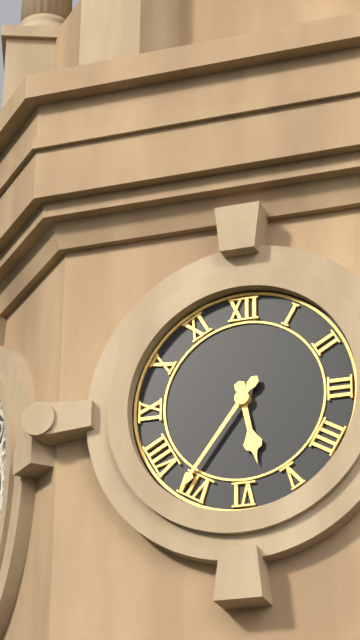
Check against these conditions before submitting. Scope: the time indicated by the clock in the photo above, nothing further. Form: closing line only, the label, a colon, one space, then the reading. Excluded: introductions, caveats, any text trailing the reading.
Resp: 5:36
